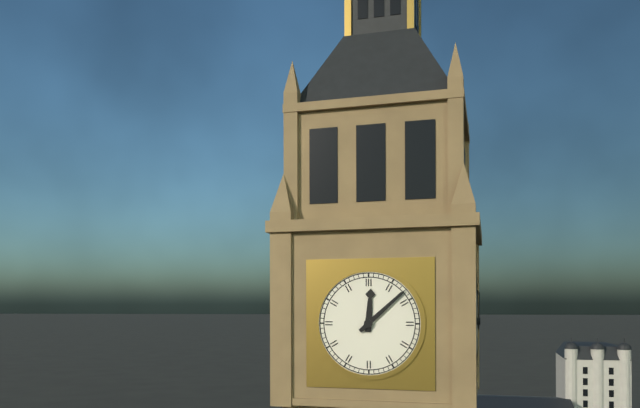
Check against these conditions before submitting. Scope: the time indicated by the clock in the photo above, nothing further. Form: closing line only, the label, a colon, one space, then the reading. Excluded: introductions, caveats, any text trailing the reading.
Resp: 12:08
